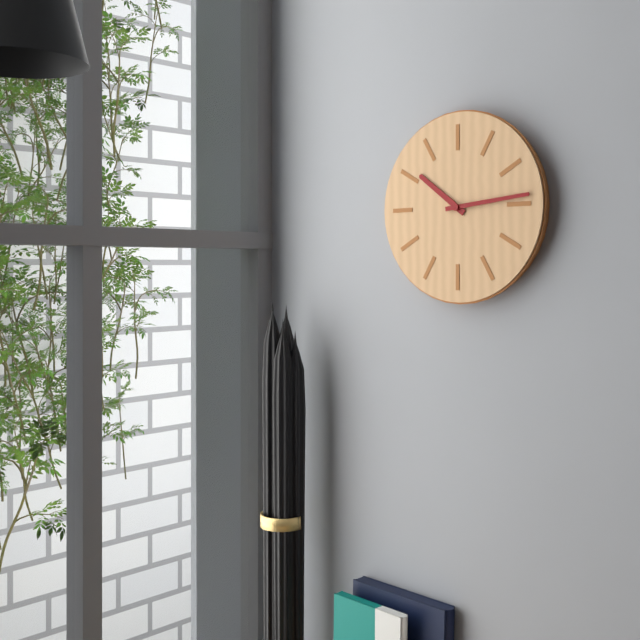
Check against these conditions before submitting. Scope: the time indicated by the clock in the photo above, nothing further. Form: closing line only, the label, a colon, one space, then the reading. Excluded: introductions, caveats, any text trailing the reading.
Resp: 10:14
